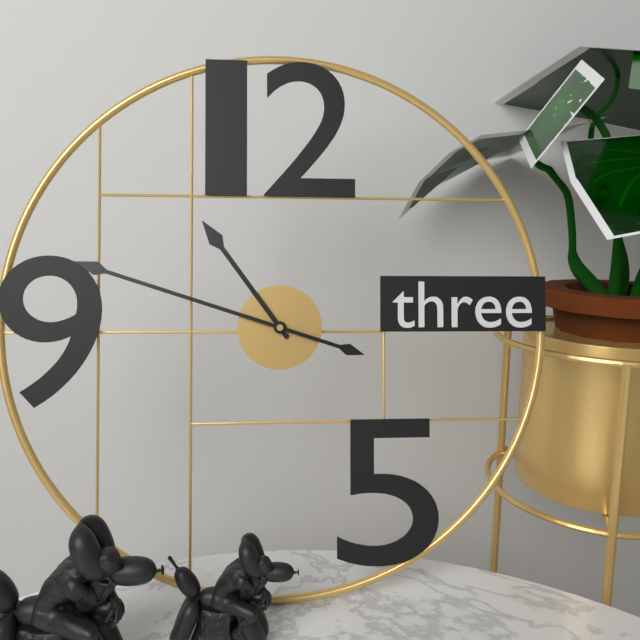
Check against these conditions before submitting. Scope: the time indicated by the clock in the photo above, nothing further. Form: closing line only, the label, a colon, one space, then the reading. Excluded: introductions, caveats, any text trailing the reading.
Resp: 10:48
